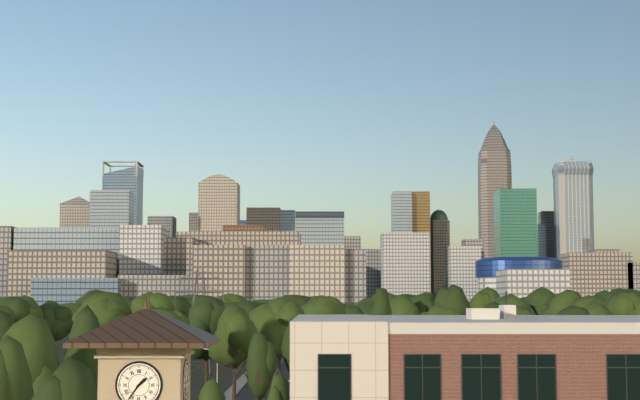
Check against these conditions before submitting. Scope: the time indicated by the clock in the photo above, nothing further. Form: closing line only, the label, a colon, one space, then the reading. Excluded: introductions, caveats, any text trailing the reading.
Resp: 1:36
